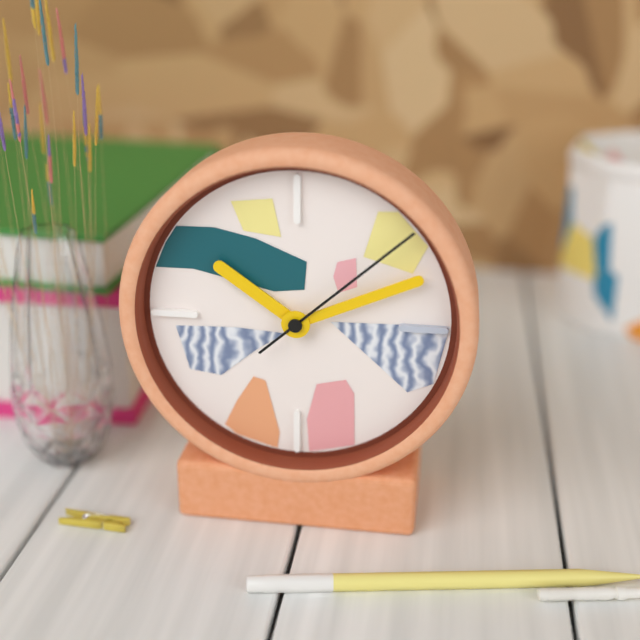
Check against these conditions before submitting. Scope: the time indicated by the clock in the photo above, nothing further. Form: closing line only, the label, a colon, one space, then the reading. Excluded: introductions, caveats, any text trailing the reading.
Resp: 10:11:08
